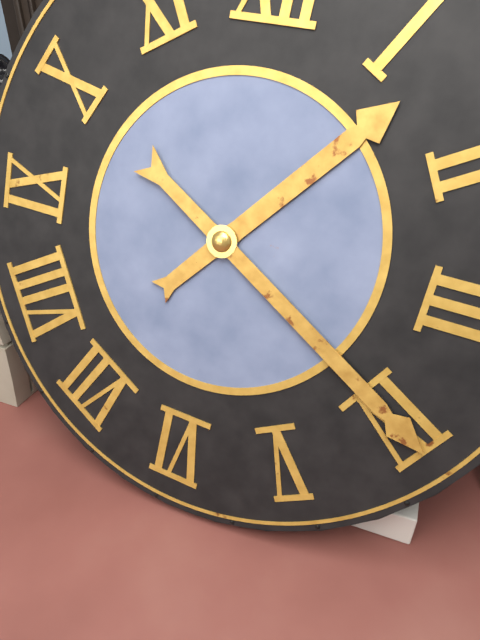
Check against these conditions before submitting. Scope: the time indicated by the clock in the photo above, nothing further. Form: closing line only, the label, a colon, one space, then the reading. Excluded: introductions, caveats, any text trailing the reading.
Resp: 1:20
